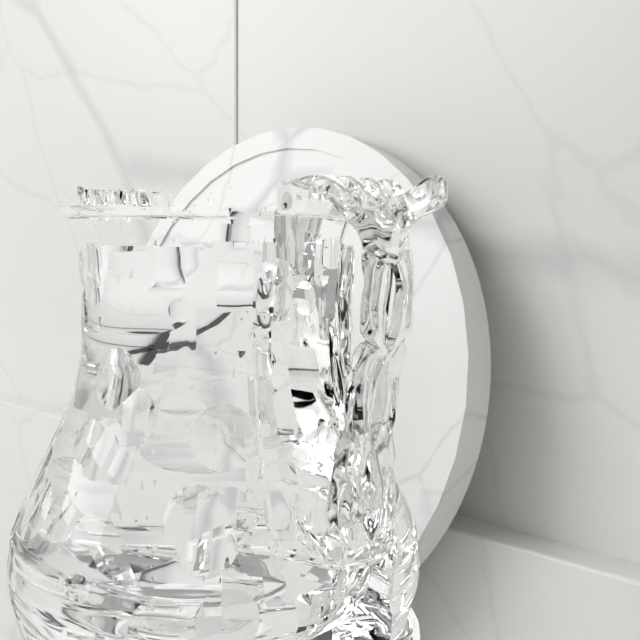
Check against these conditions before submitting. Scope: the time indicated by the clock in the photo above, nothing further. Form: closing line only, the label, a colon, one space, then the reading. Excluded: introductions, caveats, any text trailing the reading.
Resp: 9:56:14
